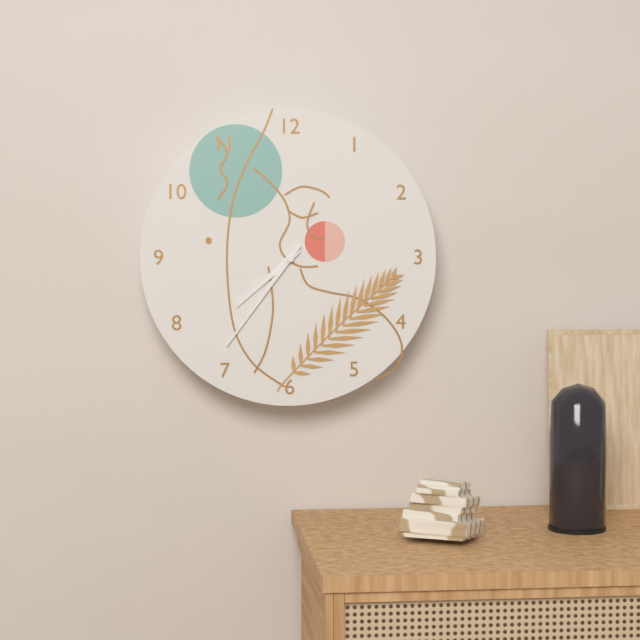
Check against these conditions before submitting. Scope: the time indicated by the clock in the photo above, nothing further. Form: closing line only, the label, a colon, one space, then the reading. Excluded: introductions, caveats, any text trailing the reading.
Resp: 7:36
